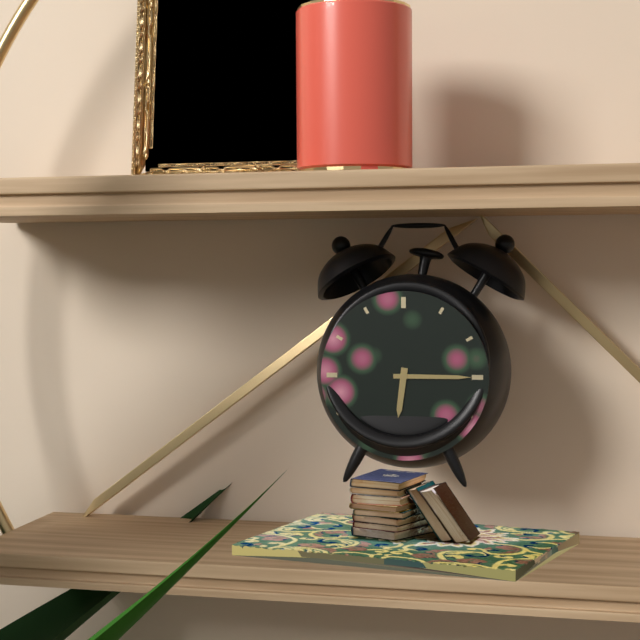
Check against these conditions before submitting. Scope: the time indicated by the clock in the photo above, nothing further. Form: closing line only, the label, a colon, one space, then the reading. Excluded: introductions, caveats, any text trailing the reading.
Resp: 6:15
